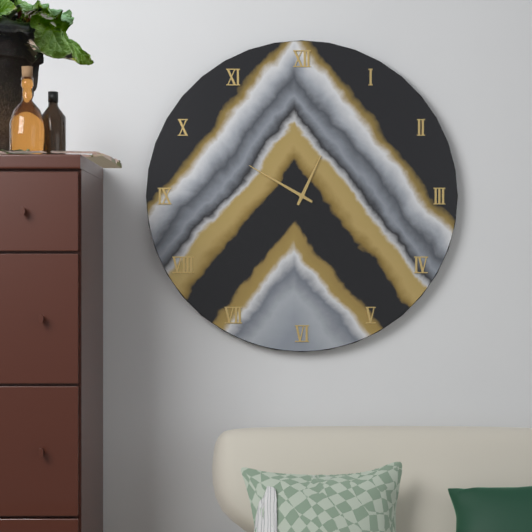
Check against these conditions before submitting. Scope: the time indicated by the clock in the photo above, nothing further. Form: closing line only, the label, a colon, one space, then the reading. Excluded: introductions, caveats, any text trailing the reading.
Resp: 12:50
